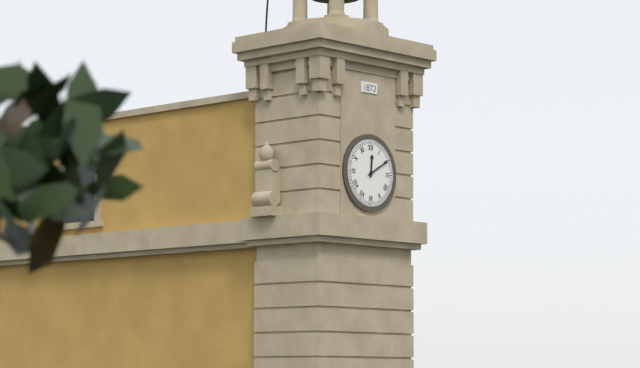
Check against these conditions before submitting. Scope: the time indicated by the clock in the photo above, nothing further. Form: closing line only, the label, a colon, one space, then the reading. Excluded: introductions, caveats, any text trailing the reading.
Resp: 12:10
